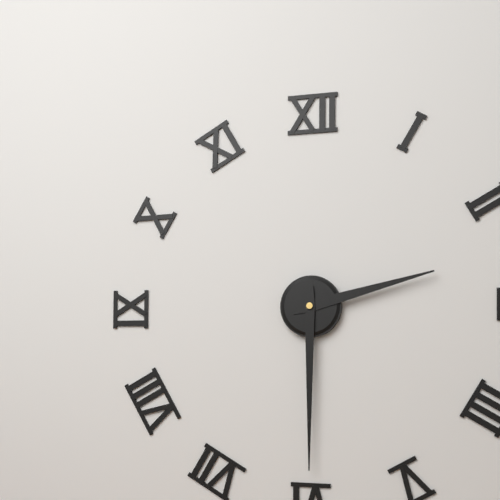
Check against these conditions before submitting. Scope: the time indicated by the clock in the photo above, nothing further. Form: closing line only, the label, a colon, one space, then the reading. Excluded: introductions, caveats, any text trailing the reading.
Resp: 2:30
